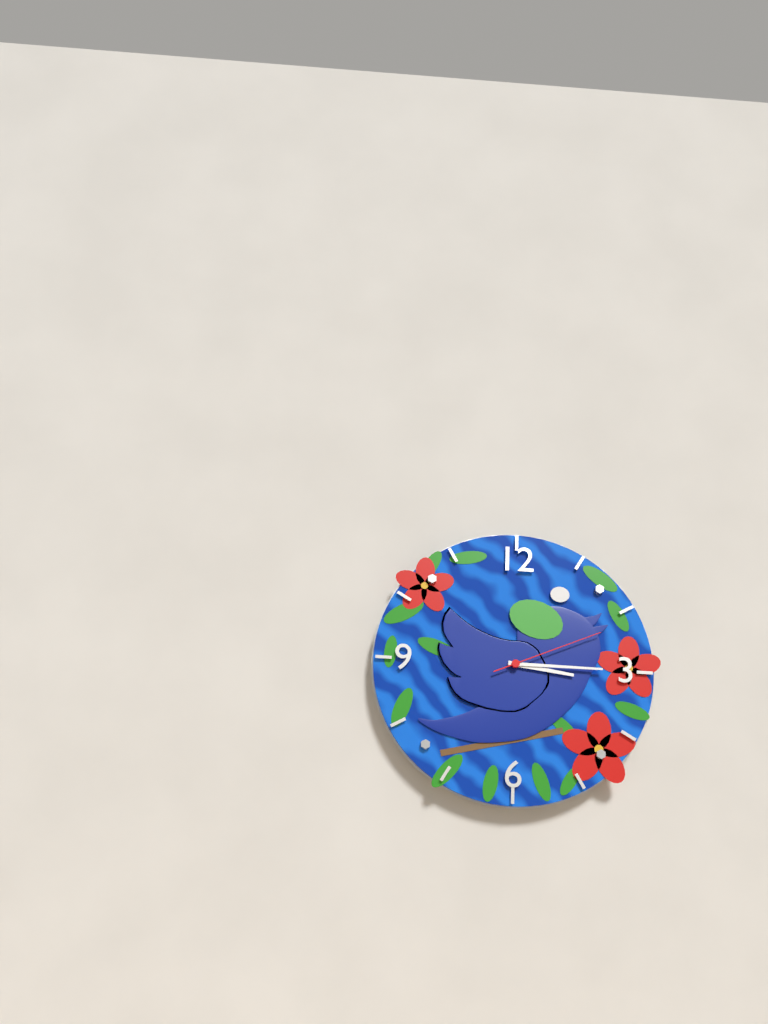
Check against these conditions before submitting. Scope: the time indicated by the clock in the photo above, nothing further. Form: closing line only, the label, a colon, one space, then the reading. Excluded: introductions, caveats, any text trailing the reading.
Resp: 3:15:11
